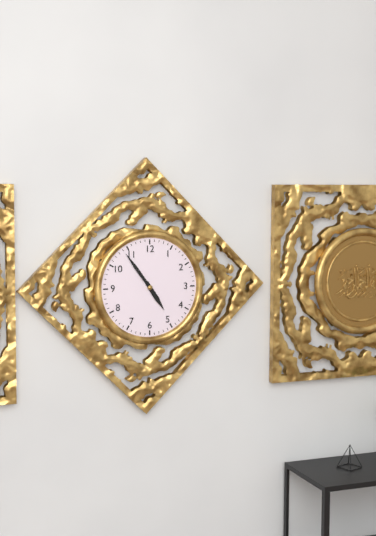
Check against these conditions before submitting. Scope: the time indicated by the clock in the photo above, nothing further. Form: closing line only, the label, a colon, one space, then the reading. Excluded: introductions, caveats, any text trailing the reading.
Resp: 4:54
